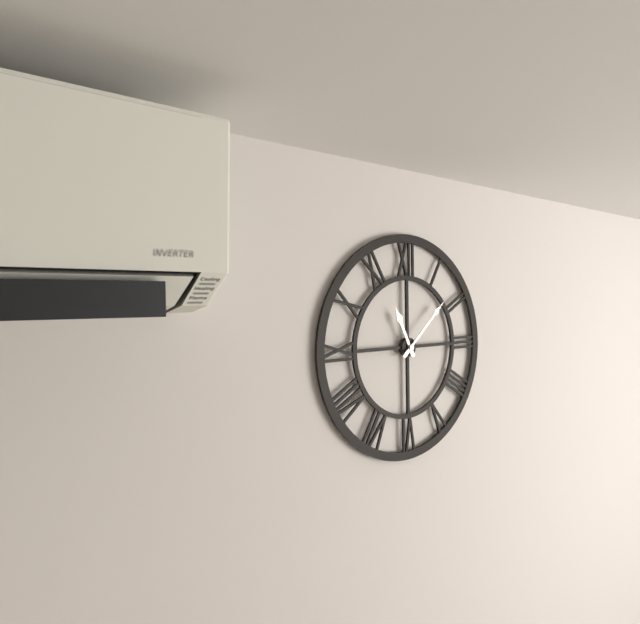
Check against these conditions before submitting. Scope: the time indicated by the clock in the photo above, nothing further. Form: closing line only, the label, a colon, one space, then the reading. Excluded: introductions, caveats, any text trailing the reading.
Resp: 11:08
